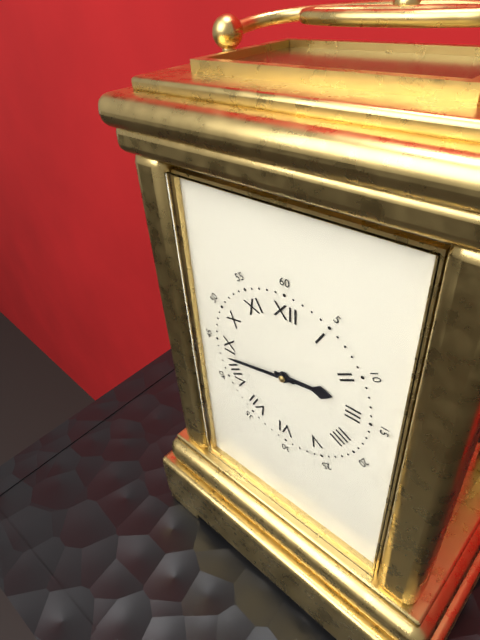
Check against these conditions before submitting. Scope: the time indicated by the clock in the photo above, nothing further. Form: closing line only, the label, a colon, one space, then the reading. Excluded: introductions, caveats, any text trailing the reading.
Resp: 2:43
